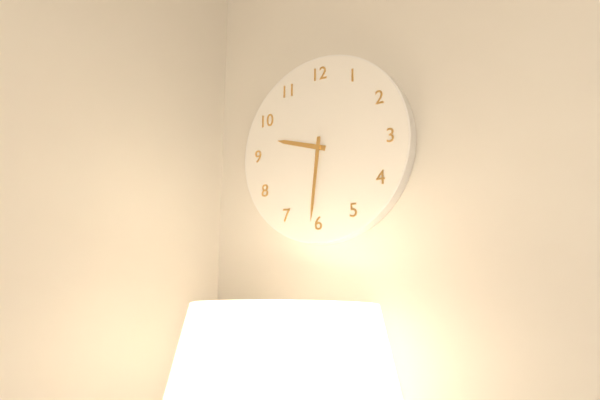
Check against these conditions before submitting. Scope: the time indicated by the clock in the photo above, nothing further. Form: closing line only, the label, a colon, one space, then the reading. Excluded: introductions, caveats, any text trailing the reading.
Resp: 9:31
